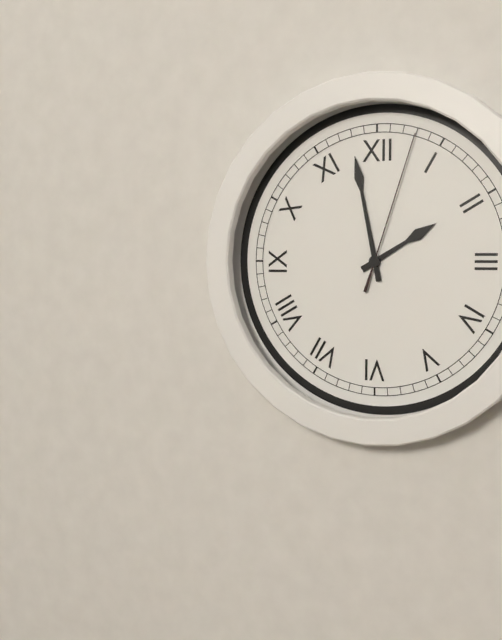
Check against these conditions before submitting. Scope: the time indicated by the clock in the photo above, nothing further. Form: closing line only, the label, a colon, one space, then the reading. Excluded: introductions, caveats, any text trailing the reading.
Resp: 1:58:03
